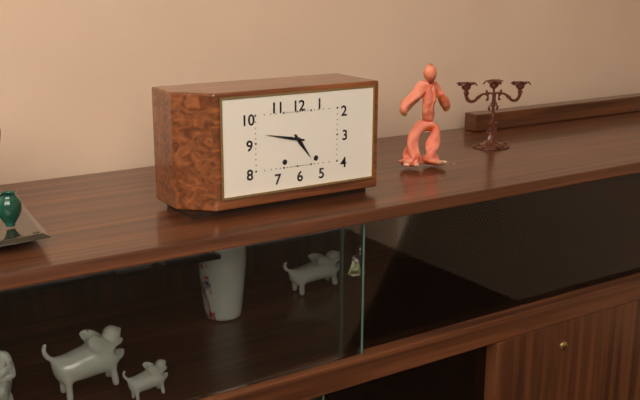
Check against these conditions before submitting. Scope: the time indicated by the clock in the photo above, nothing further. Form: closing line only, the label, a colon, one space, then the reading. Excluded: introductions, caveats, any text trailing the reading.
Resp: 4:47
